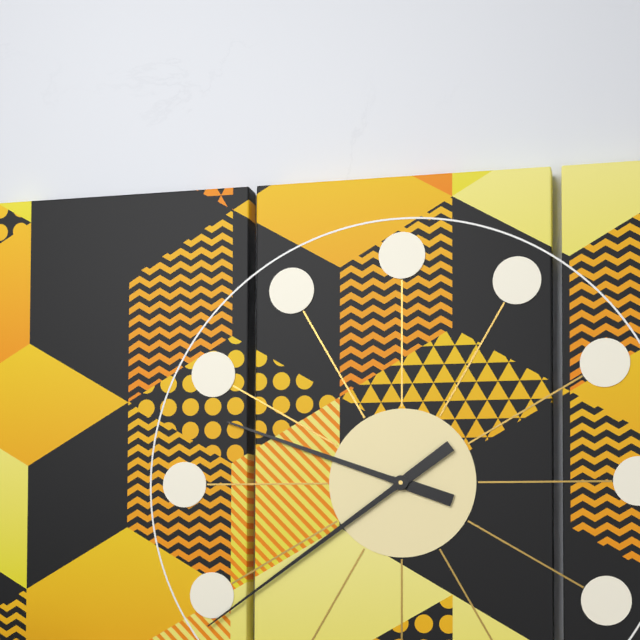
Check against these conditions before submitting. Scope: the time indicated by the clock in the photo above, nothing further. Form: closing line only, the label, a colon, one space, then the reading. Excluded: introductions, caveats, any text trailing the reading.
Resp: 9:39
